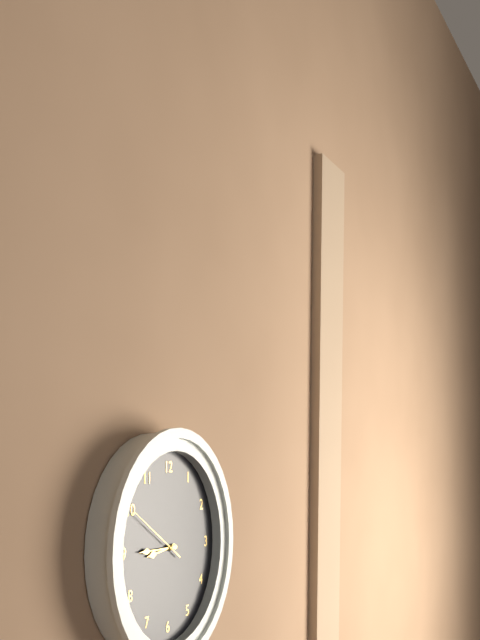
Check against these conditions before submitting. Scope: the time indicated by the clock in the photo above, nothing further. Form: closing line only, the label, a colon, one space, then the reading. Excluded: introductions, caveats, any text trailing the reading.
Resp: 8:45:50
